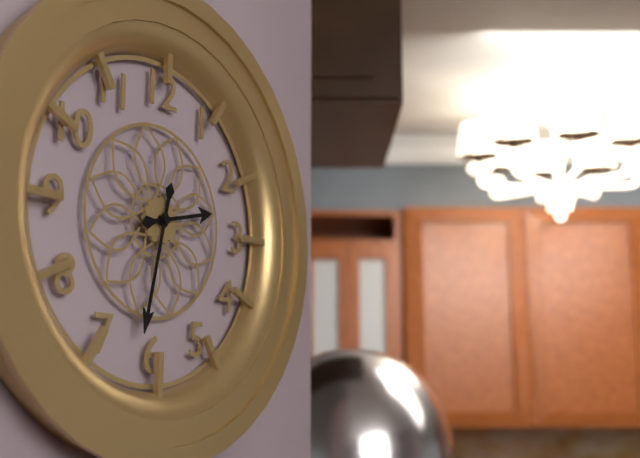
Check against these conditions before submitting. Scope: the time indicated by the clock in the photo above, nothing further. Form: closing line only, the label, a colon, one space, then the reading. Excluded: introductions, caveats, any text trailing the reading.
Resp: 2:32
